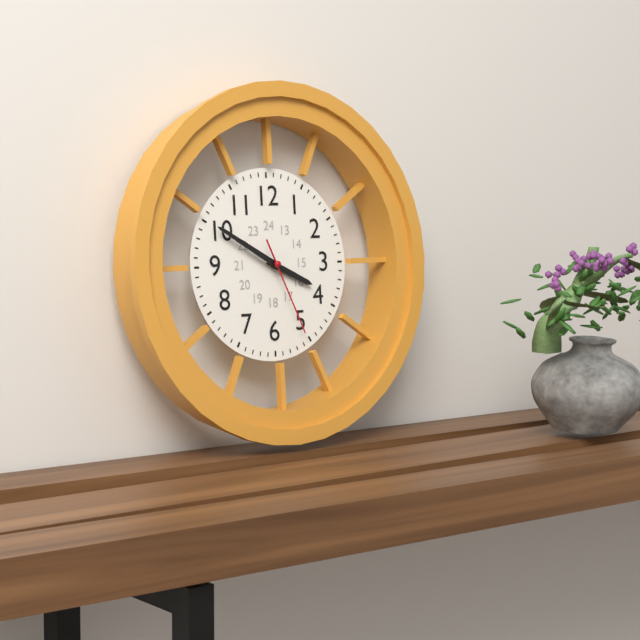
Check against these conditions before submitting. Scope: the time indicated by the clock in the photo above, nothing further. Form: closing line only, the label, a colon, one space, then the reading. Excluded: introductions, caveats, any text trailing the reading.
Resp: 3:50:26
